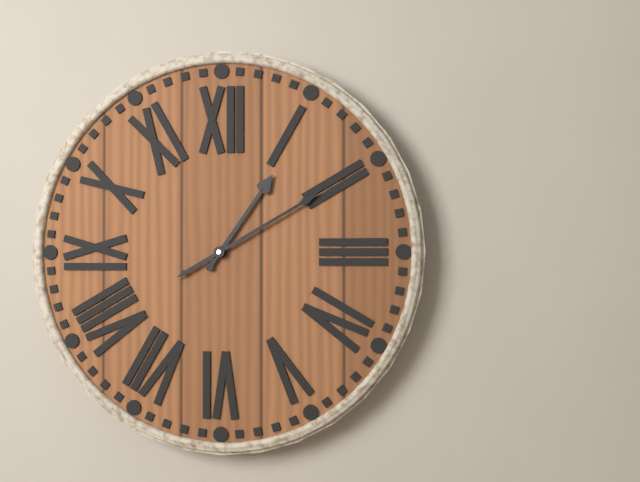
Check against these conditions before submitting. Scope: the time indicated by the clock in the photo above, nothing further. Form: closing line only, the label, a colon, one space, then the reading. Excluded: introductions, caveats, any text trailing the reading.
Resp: 1:10
